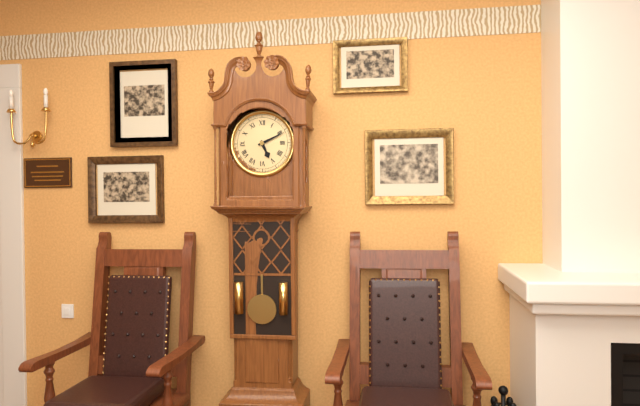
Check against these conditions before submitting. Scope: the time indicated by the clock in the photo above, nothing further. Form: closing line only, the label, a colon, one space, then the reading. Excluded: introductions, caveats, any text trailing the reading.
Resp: 5:11
